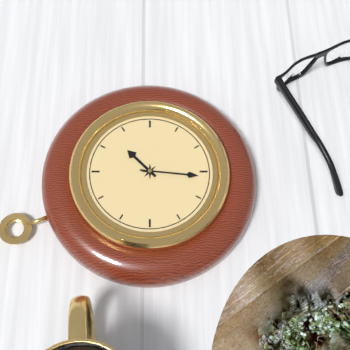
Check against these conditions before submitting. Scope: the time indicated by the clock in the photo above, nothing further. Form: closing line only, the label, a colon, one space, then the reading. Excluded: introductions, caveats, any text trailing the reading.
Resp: 1:31
